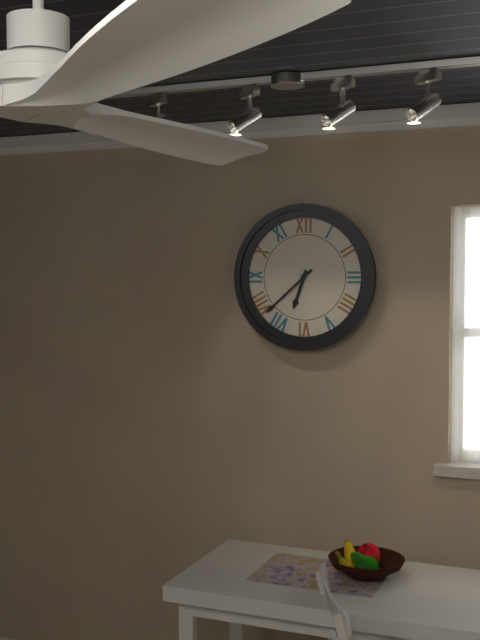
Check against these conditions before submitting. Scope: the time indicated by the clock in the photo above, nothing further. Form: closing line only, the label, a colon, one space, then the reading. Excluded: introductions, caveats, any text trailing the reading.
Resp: 6:38
